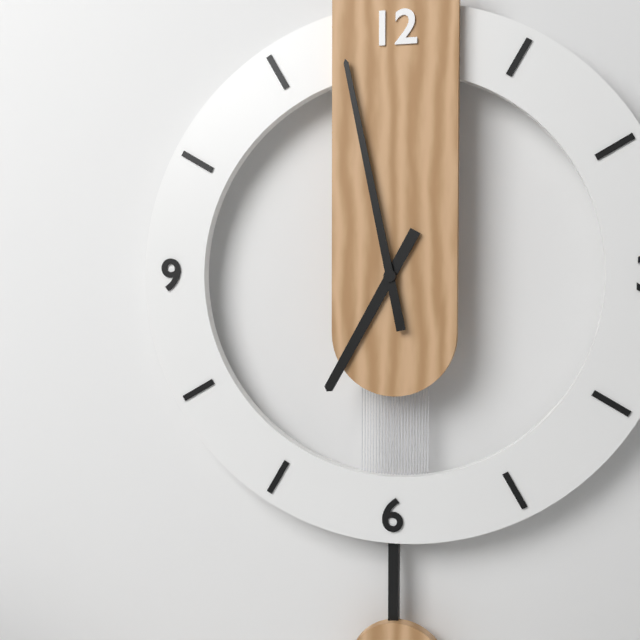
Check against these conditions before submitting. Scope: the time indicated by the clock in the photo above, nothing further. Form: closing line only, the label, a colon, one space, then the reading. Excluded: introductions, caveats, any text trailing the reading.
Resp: 6:58
